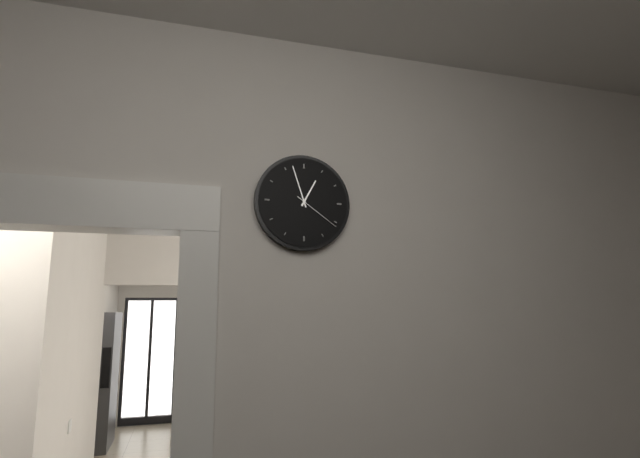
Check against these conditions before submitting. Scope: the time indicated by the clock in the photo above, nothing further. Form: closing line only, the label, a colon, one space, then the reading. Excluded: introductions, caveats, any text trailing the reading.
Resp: 12:57:21
